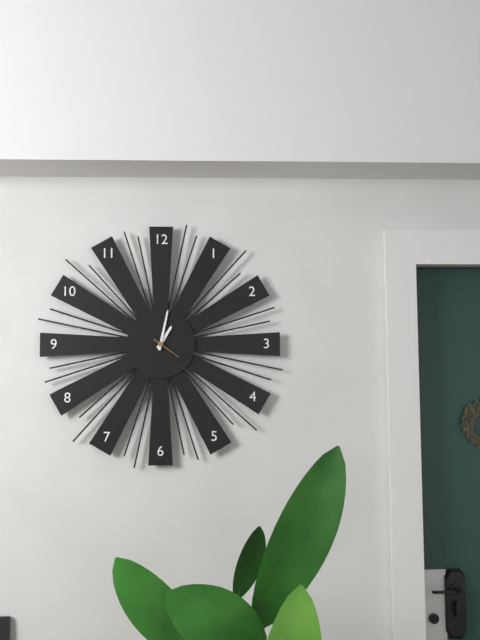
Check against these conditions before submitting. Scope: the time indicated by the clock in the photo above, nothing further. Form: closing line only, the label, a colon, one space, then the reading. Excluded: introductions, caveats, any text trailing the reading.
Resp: 1:02
